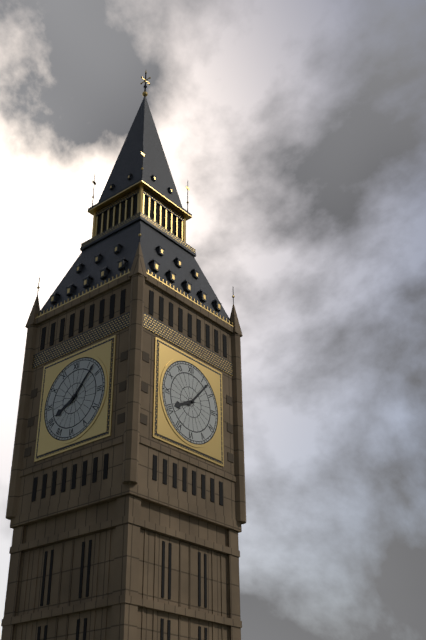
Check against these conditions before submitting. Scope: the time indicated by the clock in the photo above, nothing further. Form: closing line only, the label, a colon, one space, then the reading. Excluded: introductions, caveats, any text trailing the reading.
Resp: 8:07
